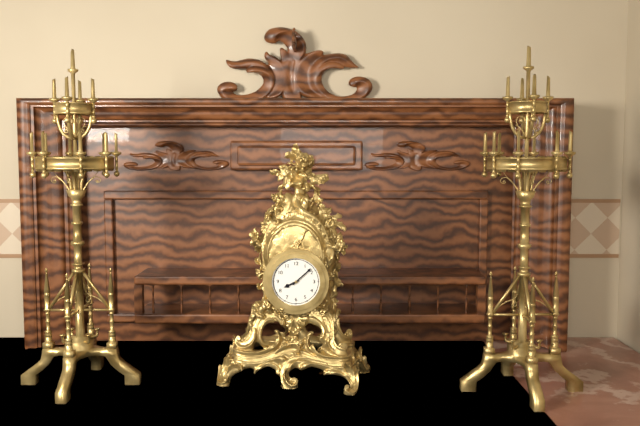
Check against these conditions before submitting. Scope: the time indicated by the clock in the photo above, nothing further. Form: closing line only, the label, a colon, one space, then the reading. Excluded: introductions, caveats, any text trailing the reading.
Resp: 8:08
